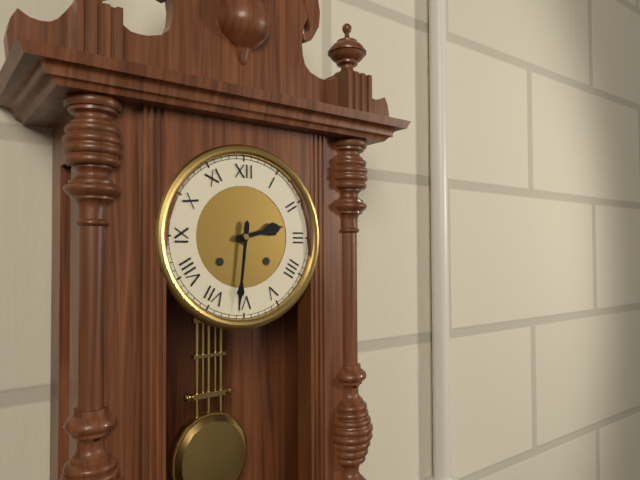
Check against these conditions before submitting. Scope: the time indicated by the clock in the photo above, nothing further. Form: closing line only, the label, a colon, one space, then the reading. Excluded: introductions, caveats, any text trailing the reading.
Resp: 2:31
